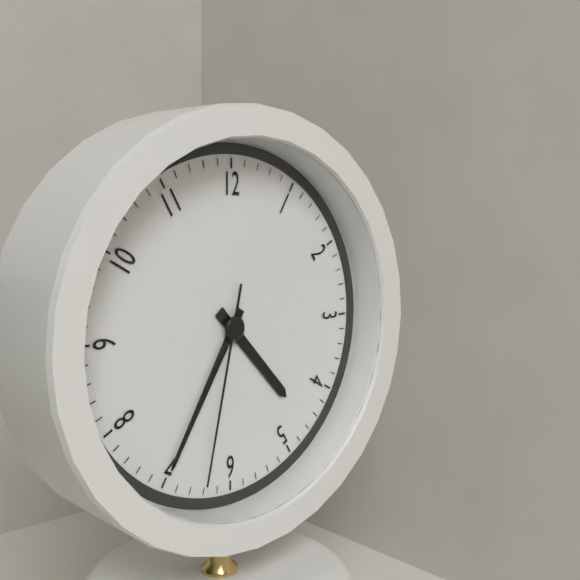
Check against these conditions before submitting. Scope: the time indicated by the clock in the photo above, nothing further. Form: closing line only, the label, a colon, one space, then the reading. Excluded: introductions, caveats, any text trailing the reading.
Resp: 4:35:32
